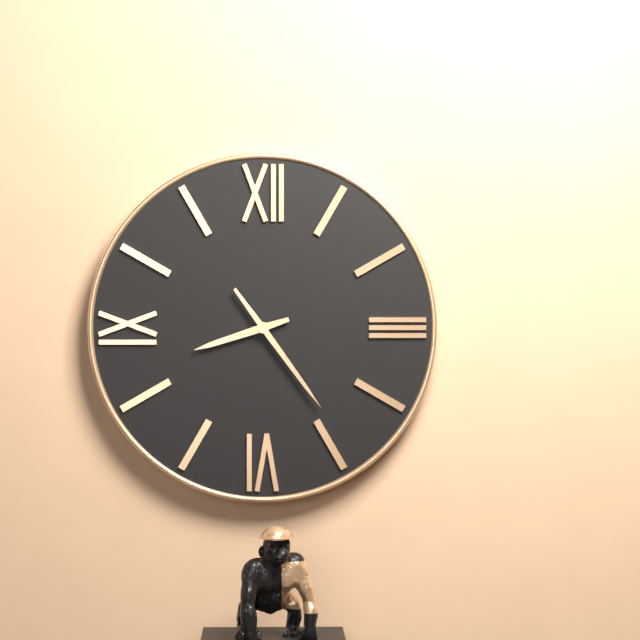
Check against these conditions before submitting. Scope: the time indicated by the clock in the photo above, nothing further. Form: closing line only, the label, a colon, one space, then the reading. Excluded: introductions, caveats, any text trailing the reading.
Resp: 8:24
